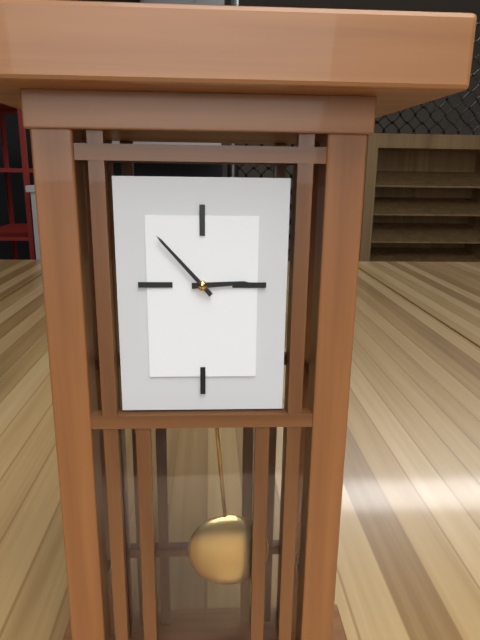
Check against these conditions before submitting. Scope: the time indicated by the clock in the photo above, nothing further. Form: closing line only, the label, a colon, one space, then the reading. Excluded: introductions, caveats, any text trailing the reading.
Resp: 2:53
